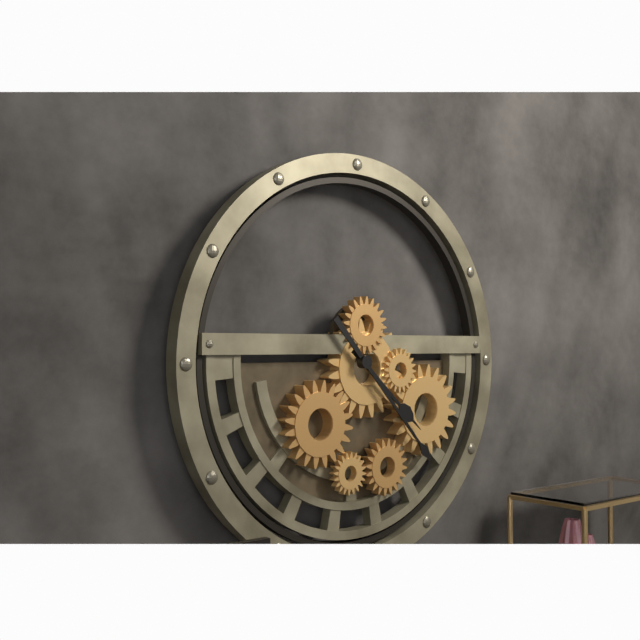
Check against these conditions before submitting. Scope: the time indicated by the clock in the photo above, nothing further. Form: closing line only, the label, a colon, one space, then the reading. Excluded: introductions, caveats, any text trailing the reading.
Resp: 4:23
